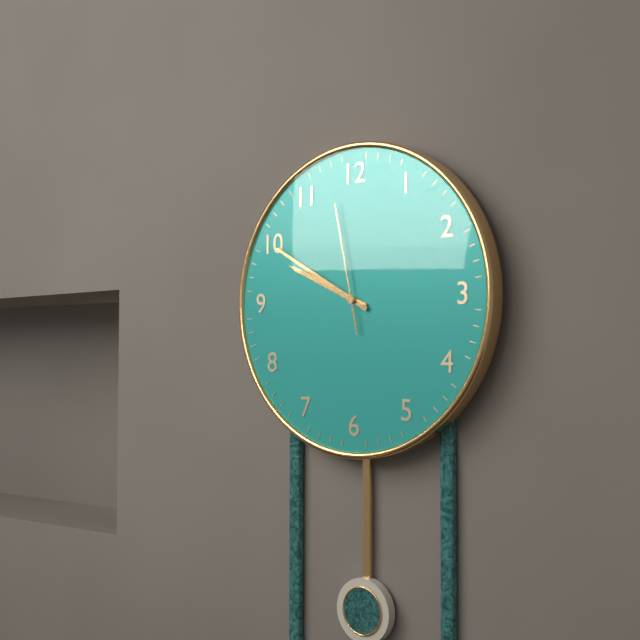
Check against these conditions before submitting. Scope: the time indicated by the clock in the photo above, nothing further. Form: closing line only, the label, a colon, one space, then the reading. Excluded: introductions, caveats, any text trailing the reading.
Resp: 9:50:58
